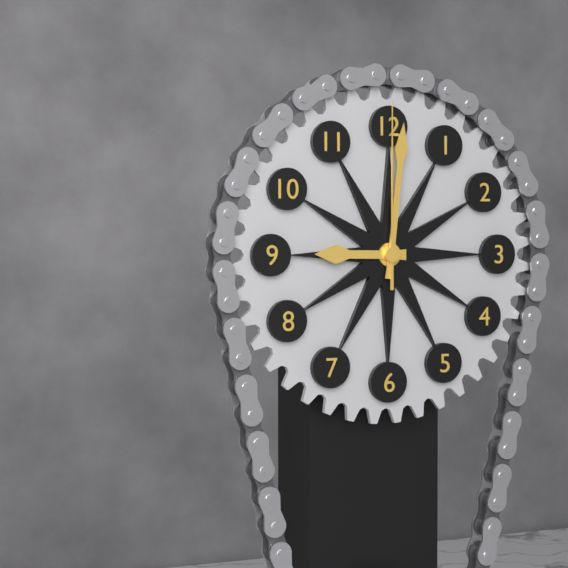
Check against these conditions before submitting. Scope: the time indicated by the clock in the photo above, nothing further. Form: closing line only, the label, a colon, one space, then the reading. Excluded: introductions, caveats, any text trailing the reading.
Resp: 9:01:00
